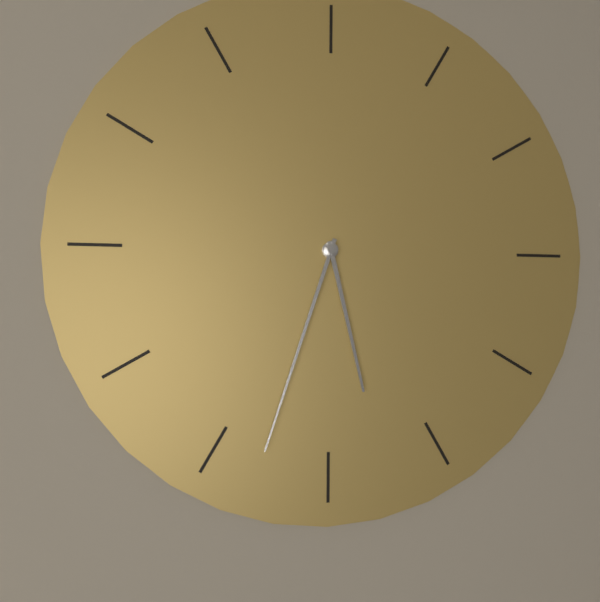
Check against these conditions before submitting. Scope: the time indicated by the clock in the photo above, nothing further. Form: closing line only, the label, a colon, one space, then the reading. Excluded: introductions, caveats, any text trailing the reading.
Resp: 5:33
